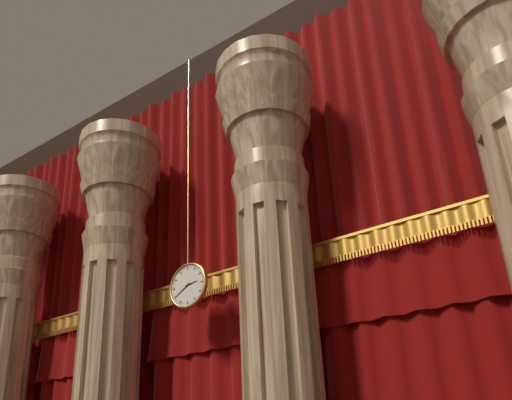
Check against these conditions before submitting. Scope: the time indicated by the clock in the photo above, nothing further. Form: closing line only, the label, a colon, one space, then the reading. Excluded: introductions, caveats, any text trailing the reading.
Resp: 2:40
